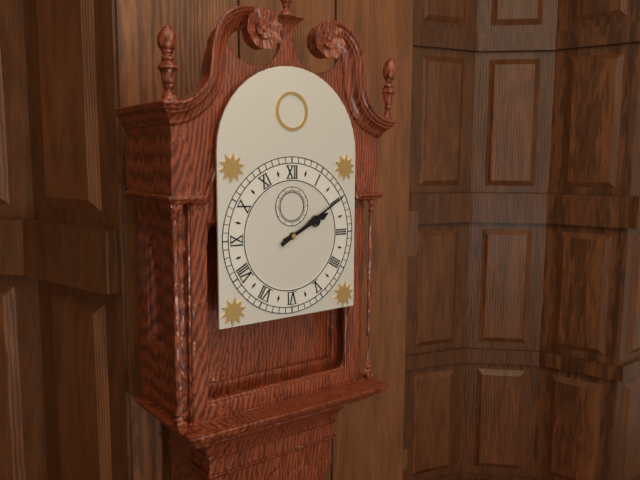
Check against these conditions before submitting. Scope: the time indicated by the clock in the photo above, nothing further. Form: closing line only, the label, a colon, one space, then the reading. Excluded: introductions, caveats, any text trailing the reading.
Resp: 2:10
